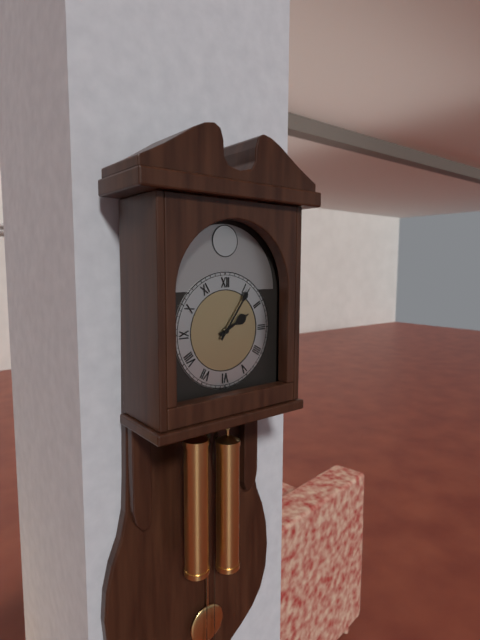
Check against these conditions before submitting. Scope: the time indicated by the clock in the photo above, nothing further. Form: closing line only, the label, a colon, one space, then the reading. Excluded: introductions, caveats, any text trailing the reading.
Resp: 2:06
